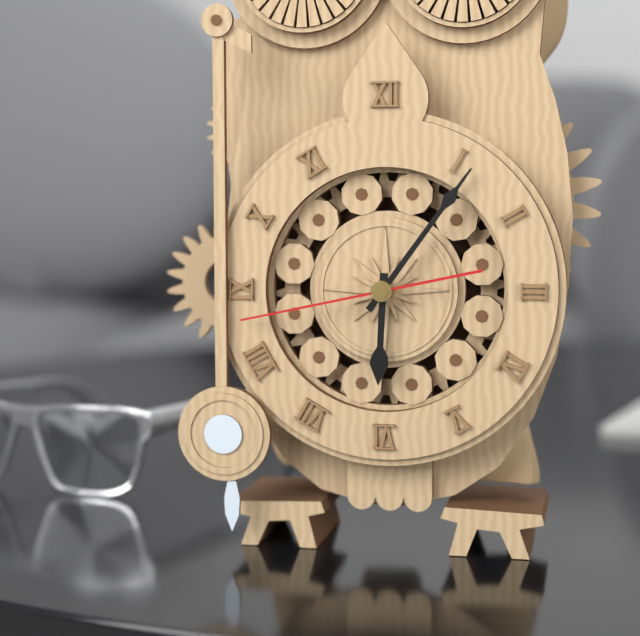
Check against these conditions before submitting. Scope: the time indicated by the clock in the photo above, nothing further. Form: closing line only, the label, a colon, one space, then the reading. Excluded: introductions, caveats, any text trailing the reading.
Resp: 6:06:43
